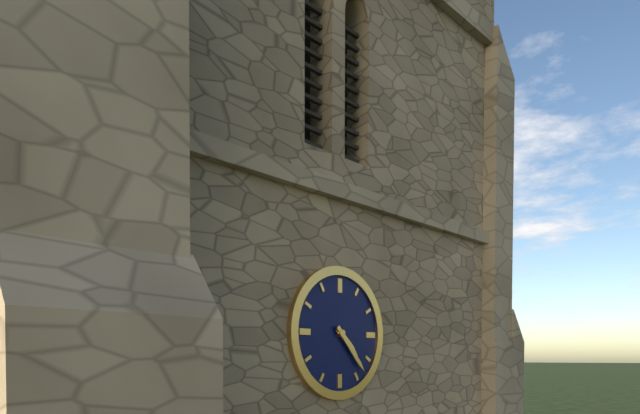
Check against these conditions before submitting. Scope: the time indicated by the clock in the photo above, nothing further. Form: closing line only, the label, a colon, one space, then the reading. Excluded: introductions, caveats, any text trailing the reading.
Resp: 4:23
